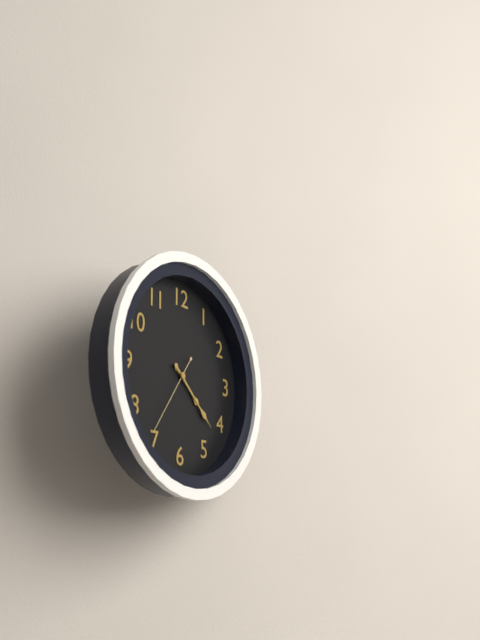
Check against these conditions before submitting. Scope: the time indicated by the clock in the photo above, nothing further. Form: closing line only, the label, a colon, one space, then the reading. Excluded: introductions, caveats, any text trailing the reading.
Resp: 4:22:36
